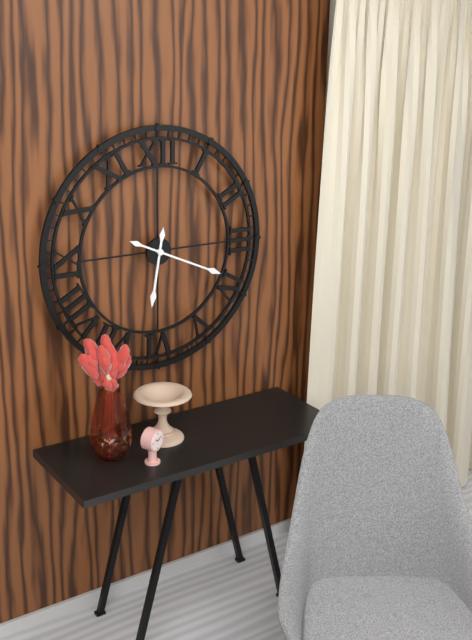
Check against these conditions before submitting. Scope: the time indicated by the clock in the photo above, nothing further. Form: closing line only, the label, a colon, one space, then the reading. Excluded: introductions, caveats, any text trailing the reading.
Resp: 6:19
